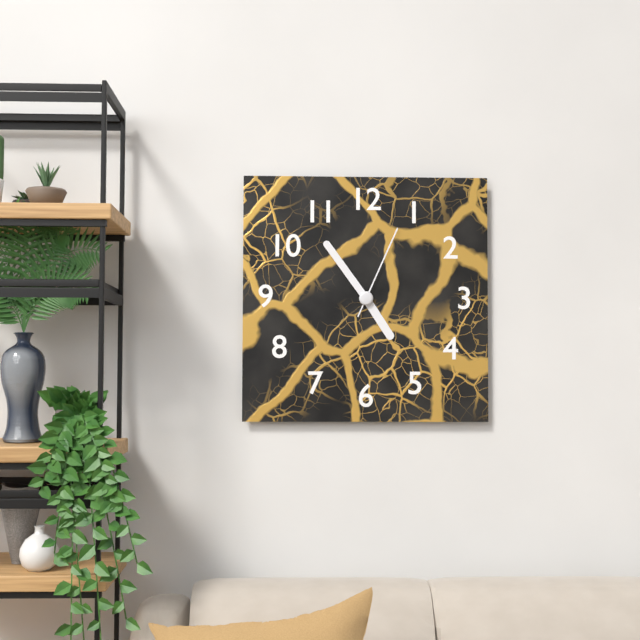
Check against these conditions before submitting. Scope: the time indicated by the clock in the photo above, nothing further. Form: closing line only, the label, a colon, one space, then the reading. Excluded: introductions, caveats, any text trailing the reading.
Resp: 4:54:04
